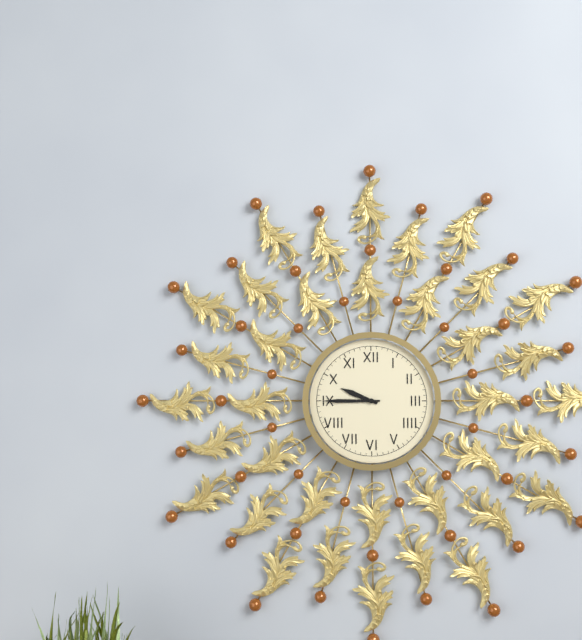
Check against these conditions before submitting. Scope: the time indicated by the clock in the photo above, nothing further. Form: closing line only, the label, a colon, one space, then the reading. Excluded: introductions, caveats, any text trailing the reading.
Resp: 9:45
